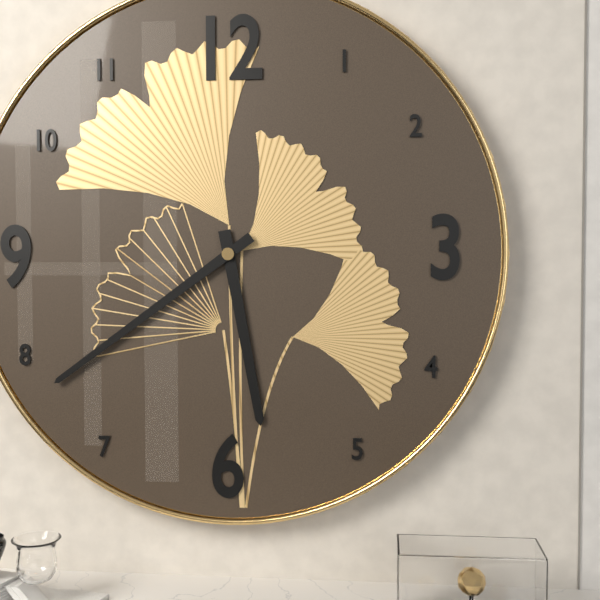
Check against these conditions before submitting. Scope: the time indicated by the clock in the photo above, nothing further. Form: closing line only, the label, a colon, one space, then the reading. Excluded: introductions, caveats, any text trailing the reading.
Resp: 5:39
